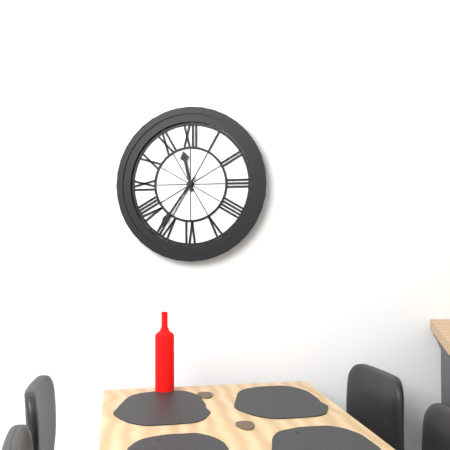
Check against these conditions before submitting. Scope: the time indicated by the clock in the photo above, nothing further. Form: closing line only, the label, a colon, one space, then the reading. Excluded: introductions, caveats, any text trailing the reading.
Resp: 11:36
